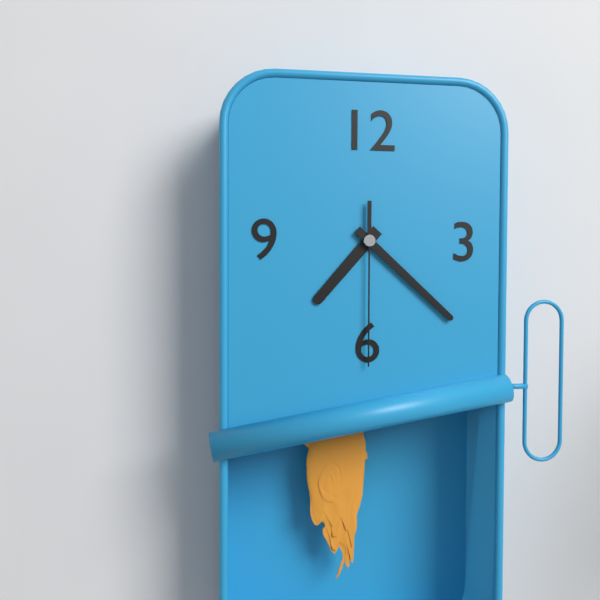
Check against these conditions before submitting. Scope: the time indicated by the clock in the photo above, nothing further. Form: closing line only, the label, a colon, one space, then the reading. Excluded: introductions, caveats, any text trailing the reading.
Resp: 7:22:30
